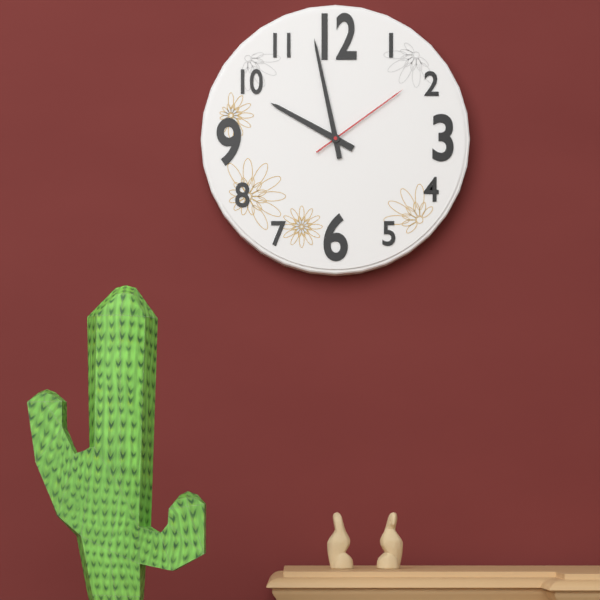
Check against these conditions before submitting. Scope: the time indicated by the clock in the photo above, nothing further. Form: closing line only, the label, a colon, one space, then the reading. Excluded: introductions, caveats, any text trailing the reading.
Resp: 9:58:09
